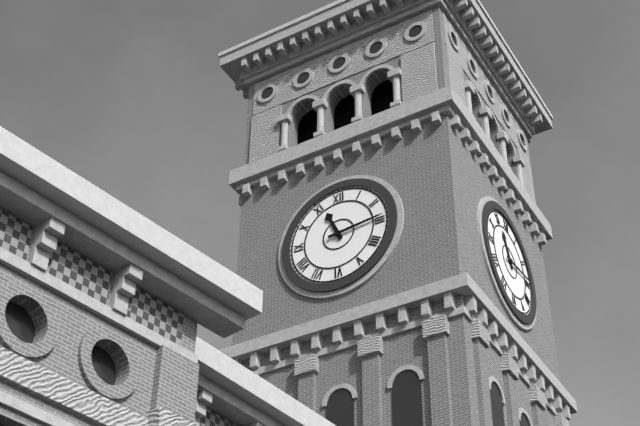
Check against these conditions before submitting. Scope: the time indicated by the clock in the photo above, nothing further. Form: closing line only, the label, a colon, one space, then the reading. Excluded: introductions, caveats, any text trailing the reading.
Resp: 11:14
